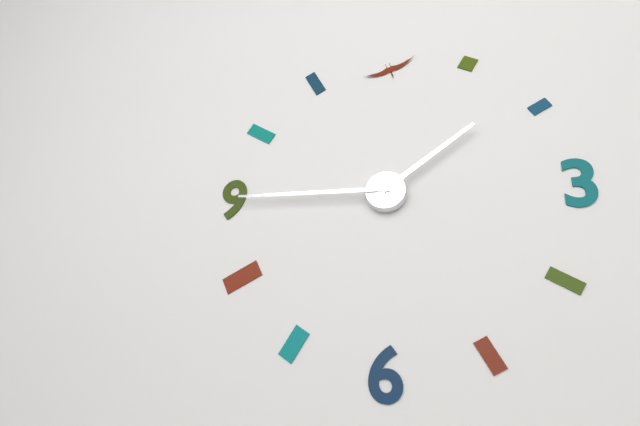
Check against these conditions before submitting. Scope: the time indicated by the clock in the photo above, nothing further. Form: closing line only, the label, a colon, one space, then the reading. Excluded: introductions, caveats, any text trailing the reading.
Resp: 1:45
